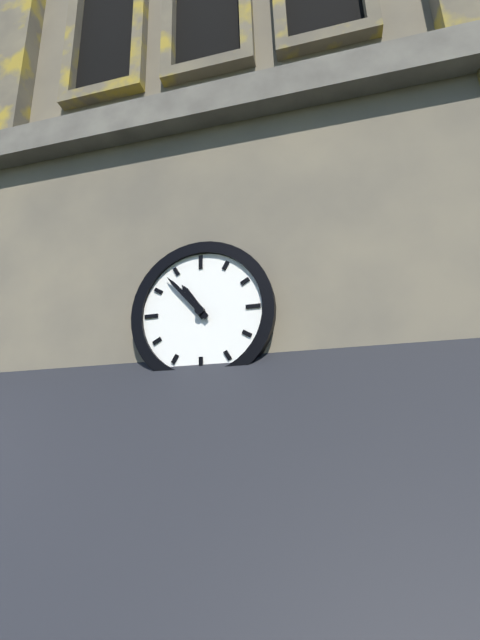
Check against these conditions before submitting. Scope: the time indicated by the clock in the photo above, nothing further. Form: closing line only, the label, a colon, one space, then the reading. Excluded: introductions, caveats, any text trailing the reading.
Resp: 10:53
